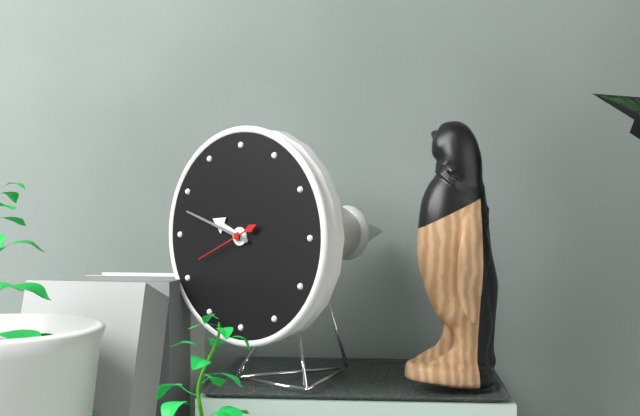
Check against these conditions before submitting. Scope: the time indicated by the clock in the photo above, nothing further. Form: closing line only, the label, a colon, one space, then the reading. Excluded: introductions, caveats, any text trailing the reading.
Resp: 9:48:41
